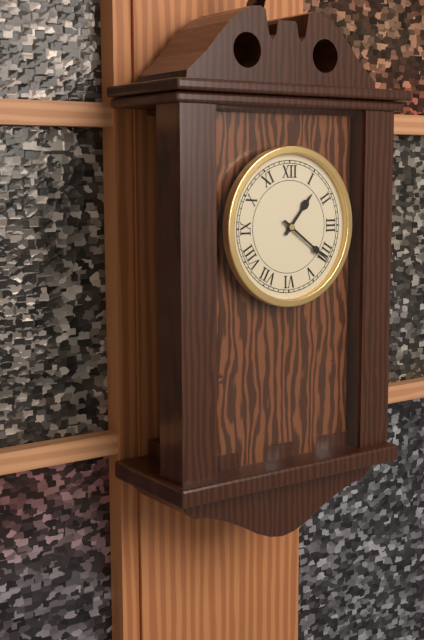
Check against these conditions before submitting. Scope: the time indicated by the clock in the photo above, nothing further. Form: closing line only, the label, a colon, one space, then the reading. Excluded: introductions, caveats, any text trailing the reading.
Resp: 1:21
